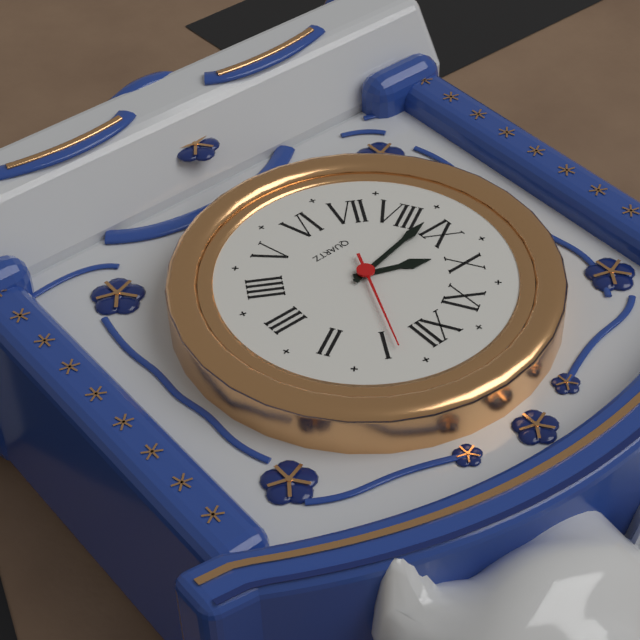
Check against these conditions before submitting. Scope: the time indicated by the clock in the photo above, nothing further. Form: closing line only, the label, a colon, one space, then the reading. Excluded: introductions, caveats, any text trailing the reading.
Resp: 9:43:04
